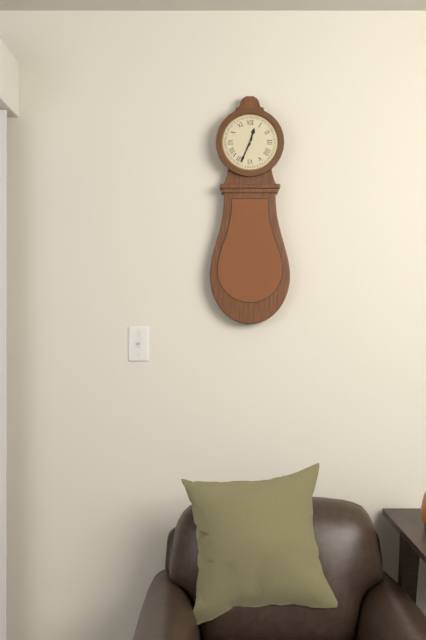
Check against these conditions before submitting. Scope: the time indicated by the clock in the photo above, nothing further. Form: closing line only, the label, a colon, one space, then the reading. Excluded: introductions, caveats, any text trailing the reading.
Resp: 12:34
